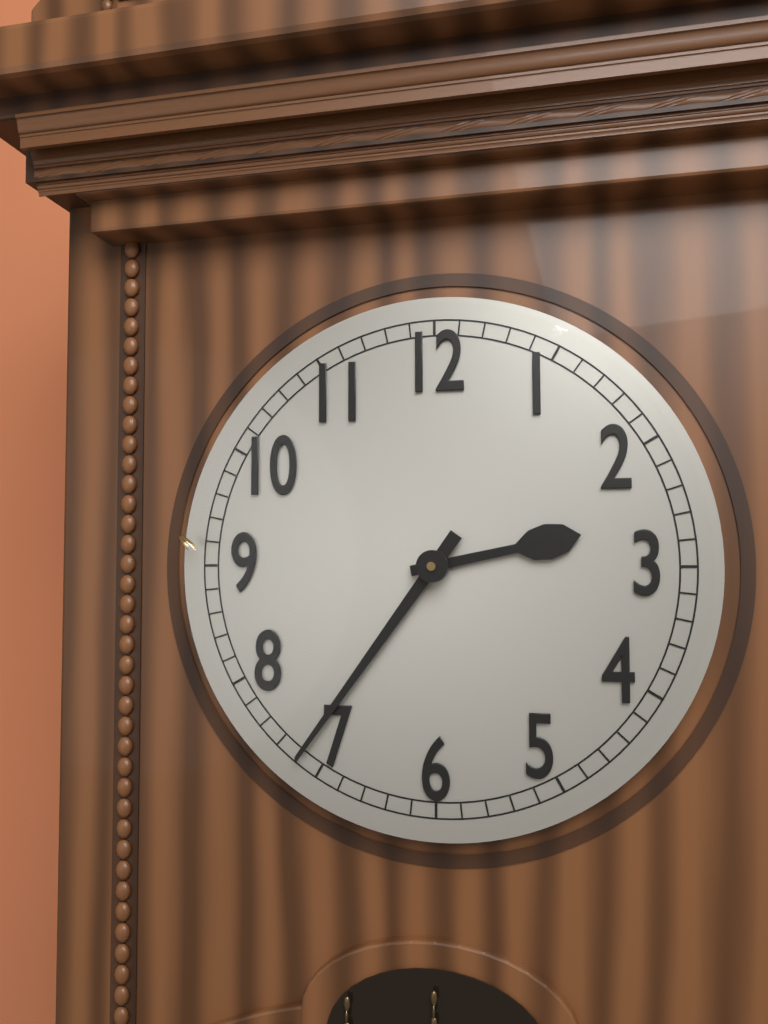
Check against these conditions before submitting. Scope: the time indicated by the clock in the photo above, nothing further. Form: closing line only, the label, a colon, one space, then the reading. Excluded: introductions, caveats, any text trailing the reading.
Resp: 2:36
